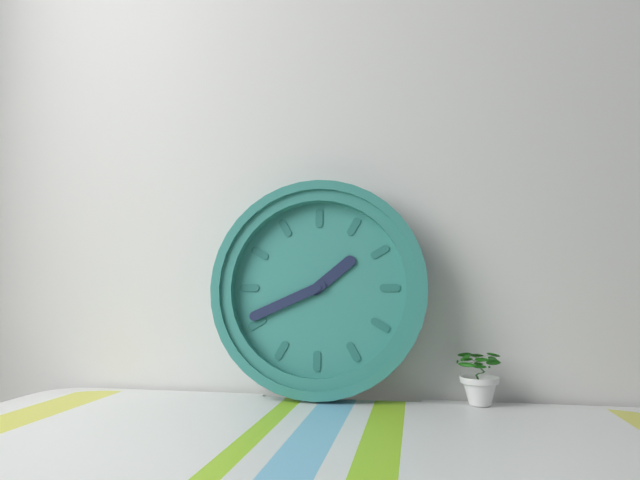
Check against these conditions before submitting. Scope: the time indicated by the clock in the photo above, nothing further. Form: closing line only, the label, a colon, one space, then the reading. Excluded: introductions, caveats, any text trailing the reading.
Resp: 1:41
